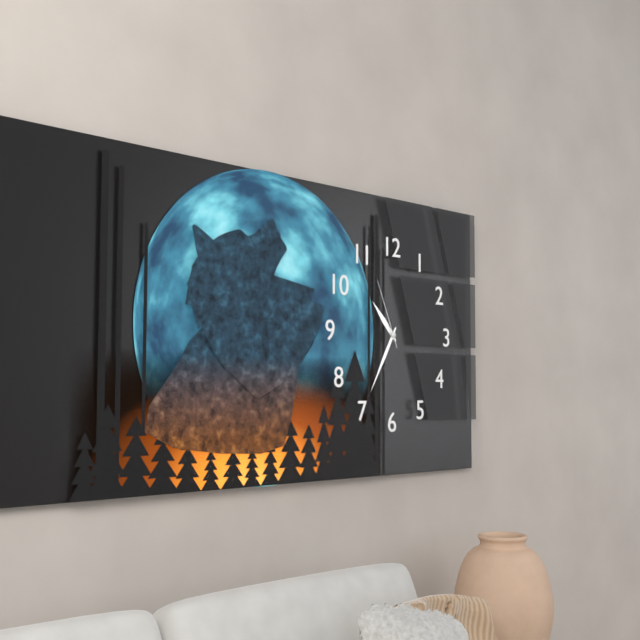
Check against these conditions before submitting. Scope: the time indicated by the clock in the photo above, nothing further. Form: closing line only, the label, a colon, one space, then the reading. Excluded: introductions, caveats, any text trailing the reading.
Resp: 10:35:56
